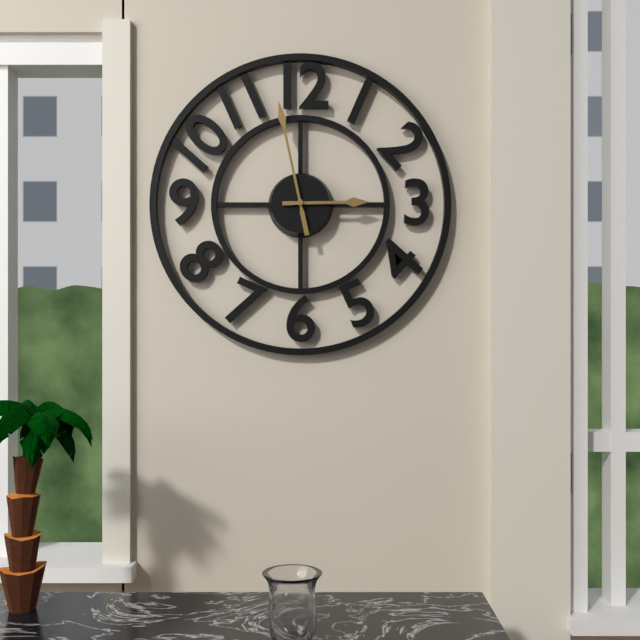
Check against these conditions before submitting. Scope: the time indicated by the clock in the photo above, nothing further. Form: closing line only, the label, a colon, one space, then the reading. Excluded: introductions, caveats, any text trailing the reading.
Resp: 2:58
